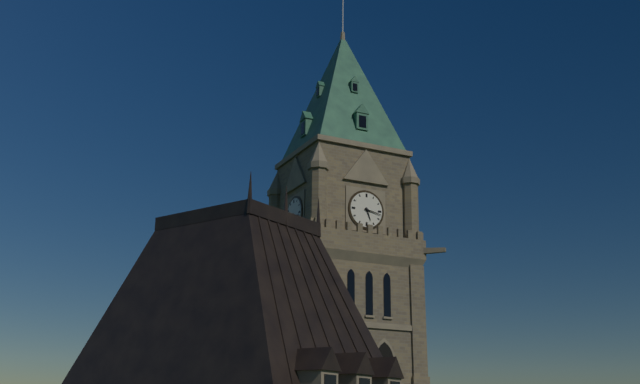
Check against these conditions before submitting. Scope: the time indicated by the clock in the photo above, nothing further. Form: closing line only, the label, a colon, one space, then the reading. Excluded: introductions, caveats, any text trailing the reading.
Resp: 5:17
